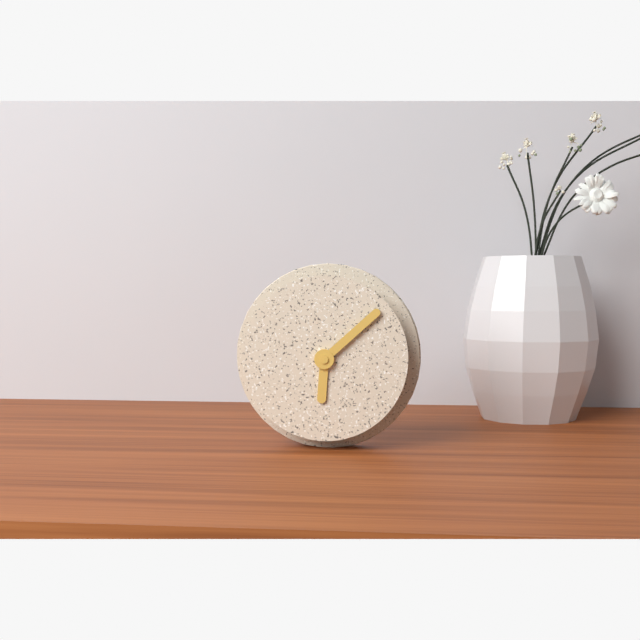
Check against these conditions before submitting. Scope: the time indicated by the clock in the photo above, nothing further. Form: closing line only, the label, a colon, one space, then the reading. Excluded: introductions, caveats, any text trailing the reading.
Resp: 6:08
